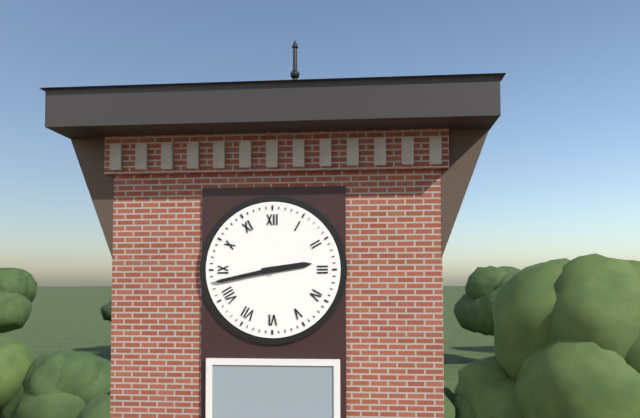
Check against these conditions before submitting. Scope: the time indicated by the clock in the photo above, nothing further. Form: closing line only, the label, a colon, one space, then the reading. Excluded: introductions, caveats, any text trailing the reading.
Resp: 2:43
